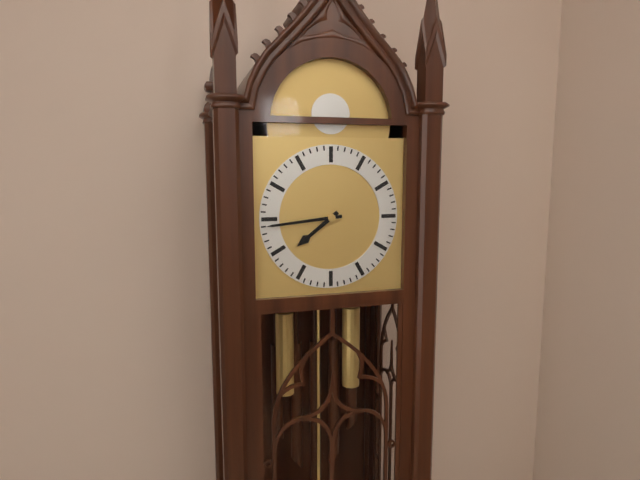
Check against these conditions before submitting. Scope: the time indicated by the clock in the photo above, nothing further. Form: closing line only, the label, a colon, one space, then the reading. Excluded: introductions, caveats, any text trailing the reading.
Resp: 7:44
